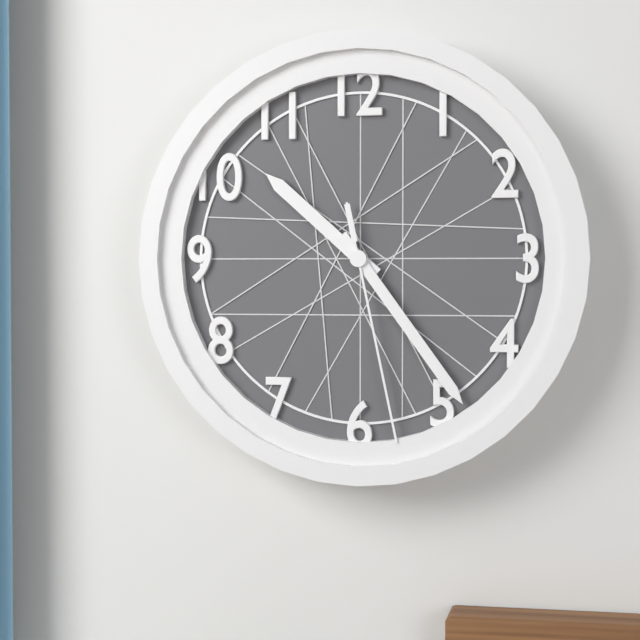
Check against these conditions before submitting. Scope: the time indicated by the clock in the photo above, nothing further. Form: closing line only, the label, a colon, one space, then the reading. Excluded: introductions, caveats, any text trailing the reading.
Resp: 10:24:28
